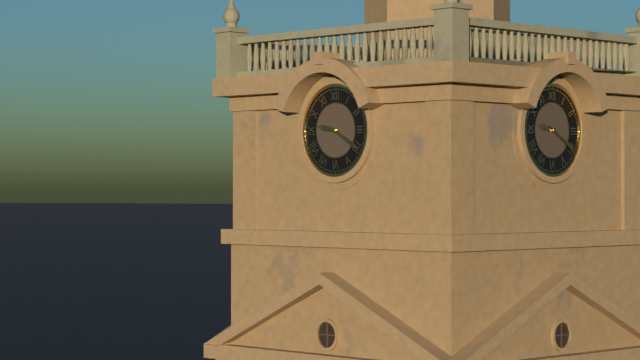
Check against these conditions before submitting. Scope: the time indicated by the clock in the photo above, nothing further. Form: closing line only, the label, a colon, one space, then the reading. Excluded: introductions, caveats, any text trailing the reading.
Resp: 9:20
